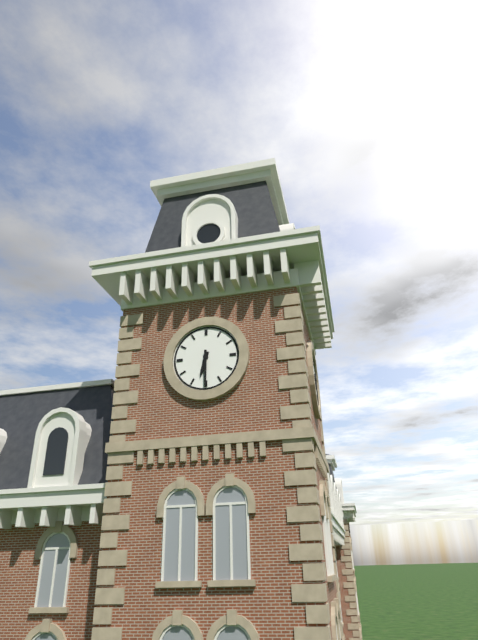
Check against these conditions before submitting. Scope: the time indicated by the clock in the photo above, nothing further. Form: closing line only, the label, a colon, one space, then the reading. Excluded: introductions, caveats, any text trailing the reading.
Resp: 6:30
